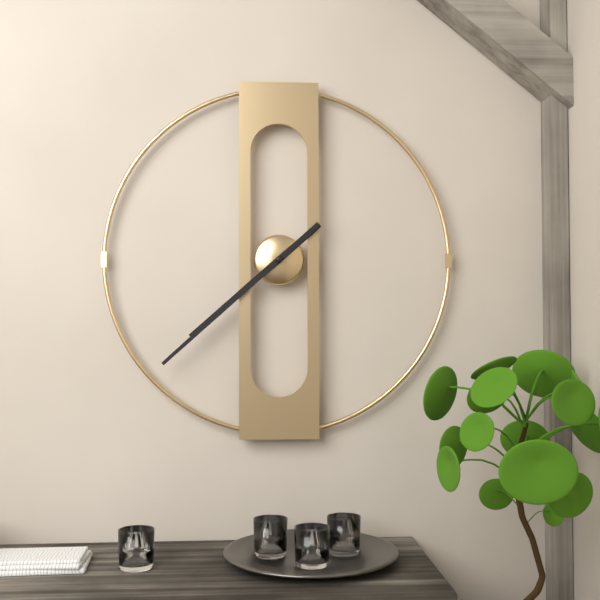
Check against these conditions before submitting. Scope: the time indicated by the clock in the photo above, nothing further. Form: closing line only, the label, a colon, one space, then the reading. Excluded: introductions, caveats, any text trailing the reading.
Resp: 7:38
